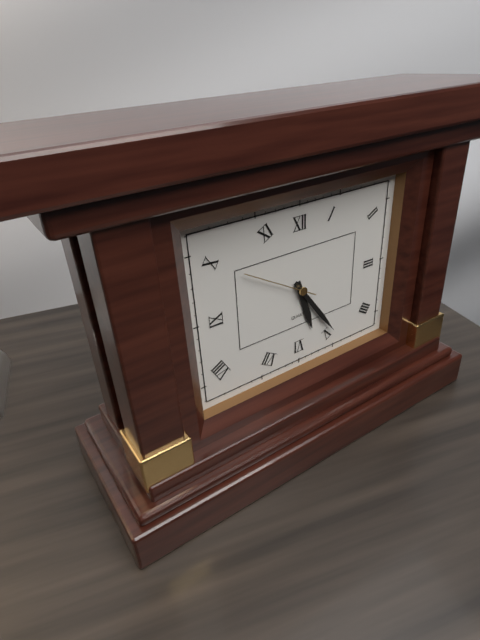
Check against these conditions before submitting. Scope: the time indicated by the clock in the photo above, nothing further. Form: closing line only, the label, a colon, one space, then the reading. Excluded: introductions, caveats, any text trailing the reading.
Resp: 5:24:50
